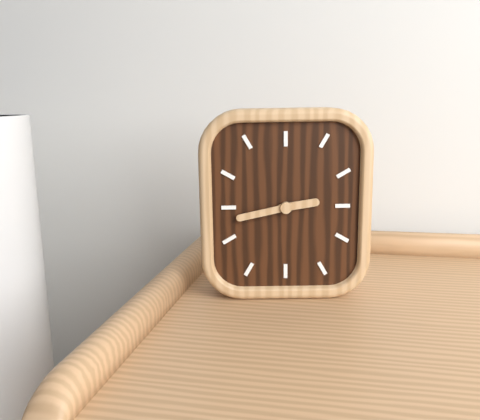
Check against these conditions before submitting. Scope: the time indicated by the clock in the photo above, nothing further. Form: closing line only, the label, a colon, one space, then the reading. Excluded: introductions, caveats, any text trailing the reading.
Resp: 2:43
